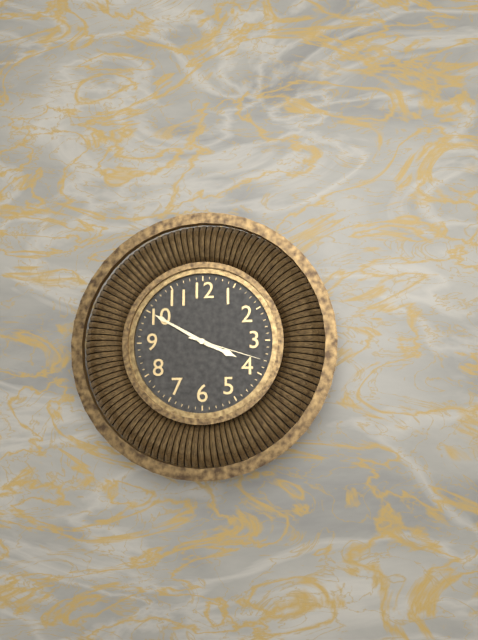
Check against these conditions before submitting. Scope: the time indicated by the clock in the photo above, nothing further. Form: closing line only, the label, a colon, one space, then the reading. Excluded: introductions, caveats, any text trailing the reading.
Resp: 3:50:18
